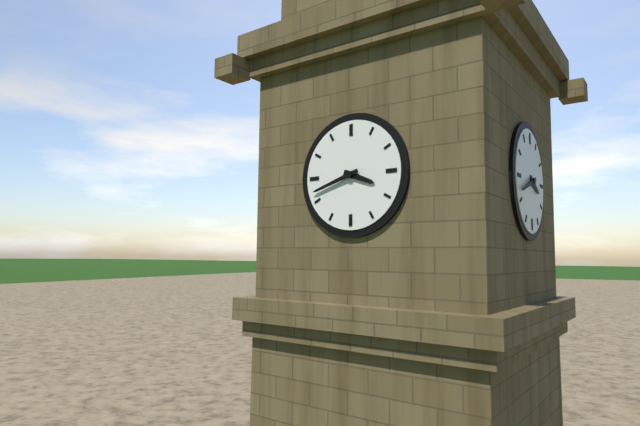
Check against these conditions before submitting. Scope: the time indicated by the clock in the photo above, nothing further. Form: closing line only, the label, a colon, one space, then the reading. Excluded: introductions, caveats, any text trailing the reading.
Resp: 3:42
